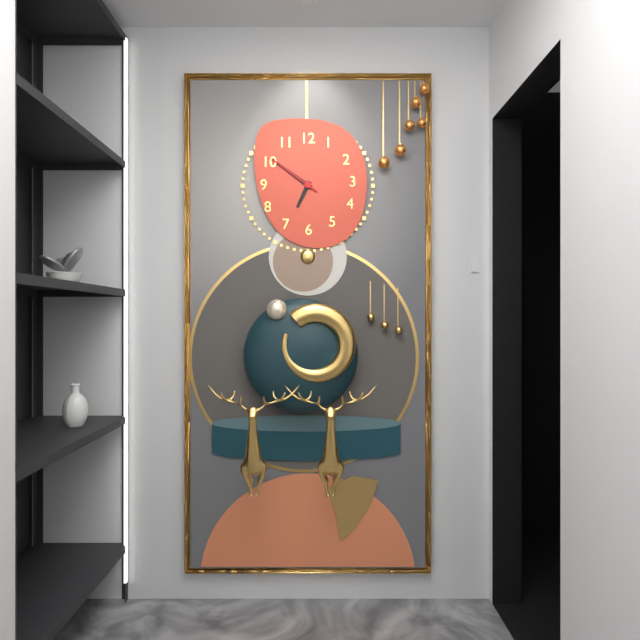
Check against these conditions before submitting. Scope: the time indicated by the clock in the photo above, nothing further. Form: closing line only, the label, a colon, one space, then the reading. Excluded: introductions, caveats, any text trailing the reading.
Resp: 6:51:51
